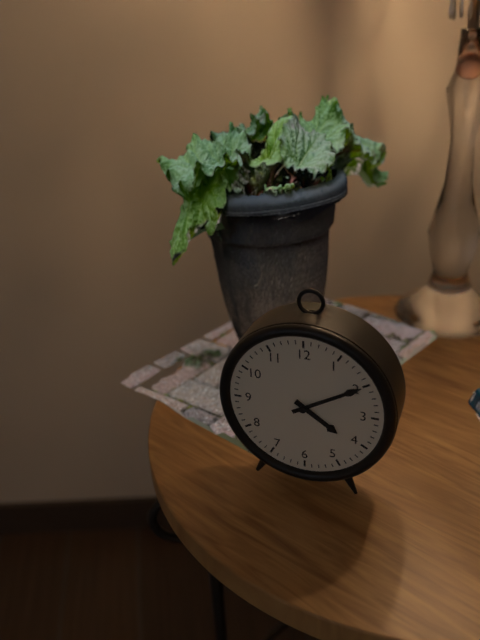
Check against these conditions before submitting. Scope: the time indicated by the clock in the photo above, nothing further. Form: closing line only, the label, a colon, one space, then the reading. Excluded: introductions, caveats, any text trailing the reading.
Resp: 4:10
